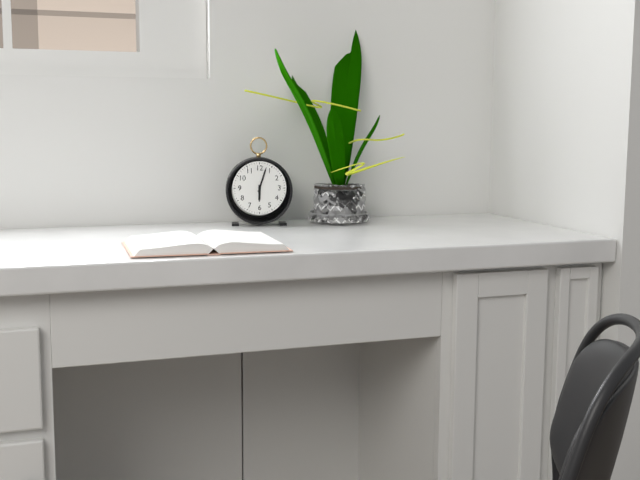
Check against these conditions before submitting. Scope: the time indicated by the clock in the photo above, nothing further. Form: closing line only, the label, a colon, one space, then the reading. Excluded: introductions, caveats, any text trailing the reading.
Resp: 6:03
